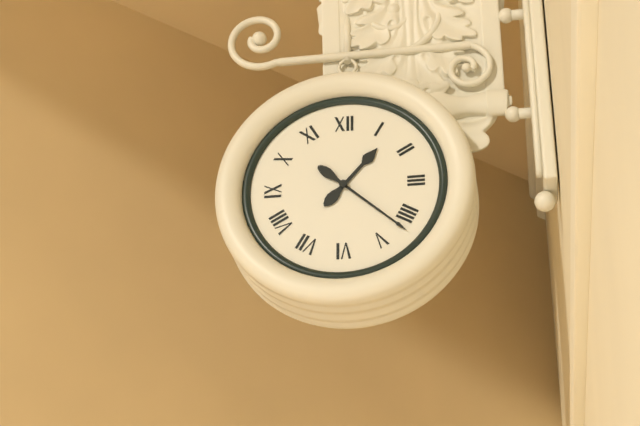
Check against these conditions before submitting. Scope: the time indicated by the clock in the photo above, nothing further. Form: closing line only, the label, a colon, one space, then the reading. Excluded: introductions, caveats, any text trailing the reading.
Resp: 1:22
